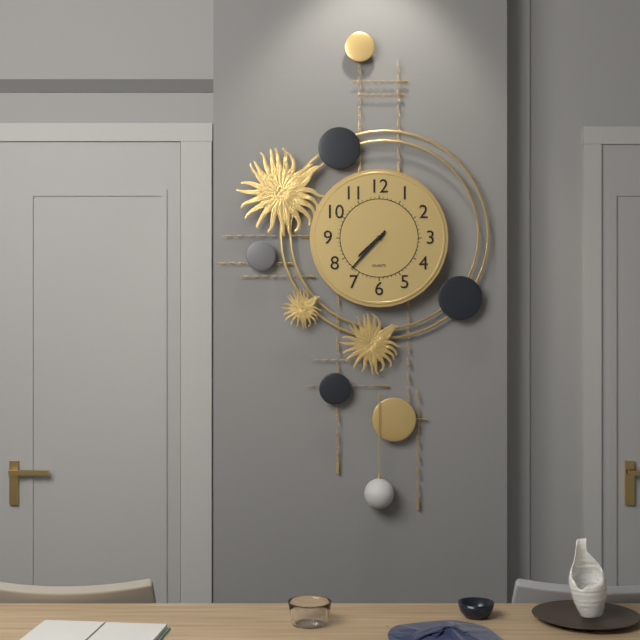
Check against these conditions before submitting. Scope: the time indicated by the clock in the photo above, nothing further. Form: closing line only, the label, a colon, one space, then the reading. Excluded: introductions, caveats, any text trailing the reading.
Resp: 7:37
